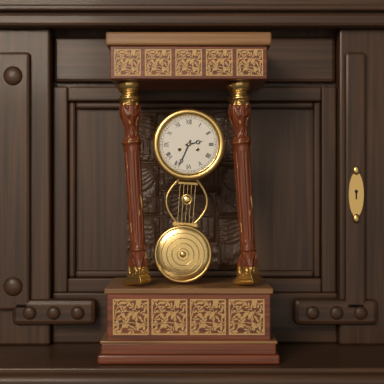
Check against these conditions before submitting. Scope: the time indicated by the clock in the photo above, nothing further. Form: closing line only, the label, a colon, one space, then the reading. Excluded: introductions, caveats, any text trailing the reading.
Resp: 2:34
